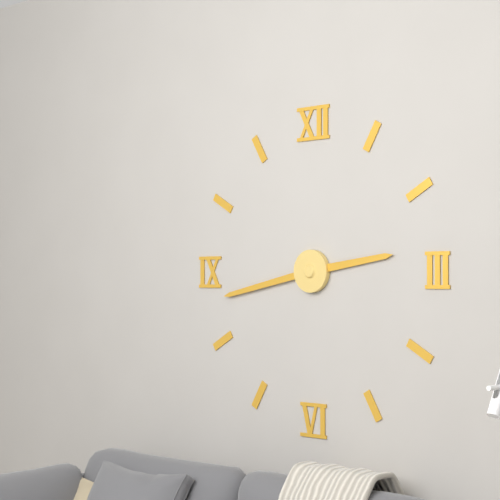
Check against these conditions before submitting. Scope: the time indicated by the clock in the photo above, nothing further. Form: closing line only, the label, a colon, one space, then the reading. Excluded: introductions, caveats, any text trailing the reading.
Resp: 2:43
